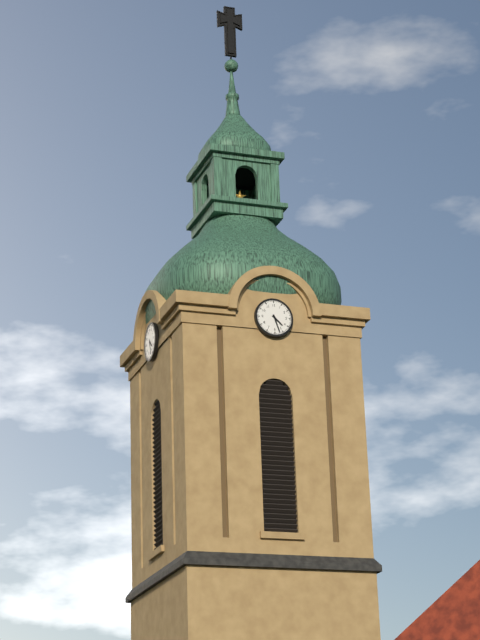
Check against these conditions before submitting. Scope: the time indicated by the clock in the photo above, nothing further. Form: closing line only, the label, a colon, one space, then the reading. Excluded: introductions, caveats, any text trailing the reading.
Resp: 4:27
